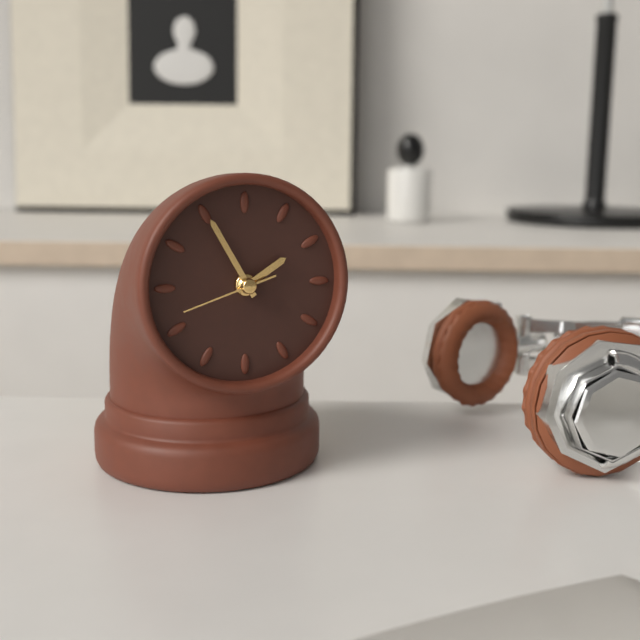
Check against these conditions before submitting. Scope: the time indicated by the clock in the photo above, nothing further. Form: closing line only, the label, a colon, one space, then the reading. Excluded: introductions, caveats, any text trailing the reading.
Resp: 1:55:42
